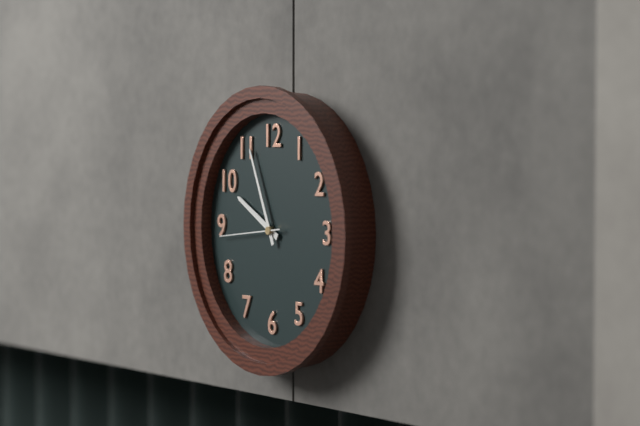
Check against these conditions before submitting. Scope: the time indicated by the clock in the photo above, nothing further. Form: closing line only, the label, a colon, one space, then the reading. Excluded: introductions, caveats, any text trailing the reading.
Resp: 9:56:44
